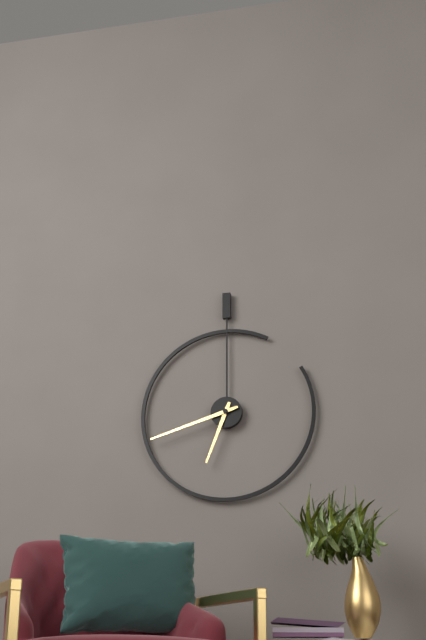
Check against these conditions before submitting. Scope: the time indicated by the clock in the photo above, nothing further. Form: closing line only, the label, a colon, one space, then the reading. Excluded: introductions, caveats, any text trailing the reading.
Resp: 6:42
